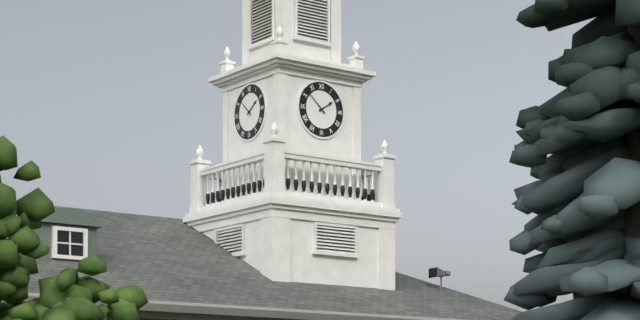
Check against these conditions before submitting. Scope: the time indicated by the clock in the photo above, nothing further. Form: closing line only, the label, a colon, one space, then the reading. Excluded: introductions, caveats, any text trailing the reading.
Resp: 1:52
